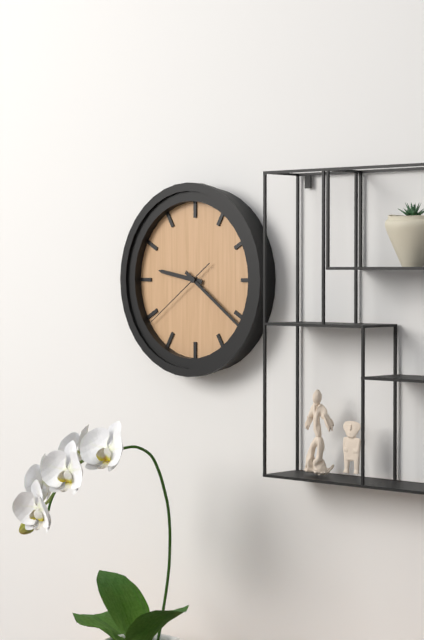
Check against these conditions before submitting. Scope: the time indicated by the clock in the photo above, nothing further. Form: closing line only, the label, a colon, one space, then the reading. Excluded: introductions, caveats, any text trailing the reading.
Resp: 9:21:39
